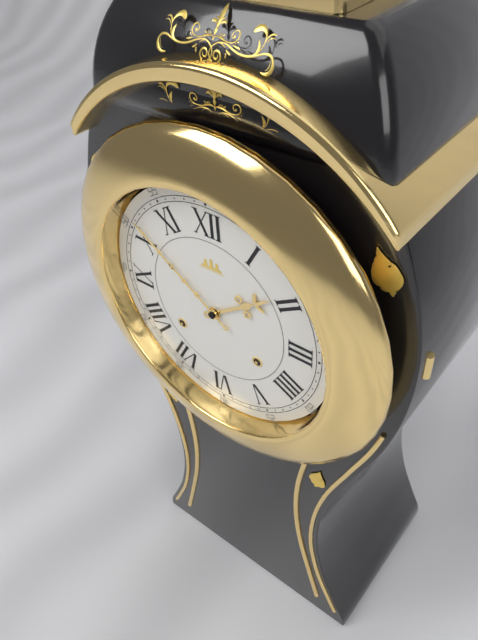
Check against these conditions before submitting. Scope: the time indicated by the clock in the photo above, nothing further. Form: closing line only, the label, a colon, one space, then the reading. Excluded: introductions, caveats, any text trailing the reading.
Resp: 1:51
